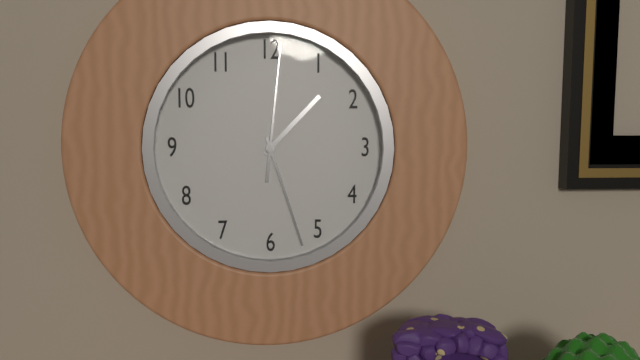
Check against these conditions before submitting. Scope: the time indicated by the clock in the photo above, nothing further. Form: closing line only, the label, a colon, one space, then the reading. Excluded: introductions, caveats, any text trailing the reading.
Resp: 1:27:01
